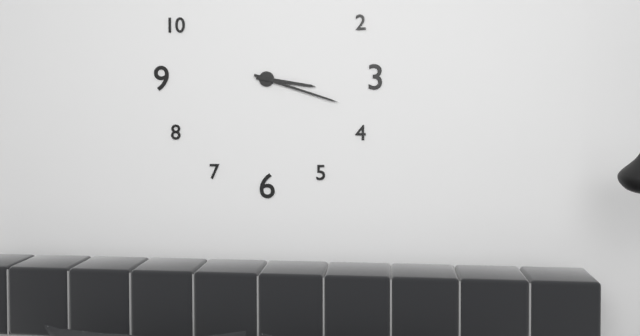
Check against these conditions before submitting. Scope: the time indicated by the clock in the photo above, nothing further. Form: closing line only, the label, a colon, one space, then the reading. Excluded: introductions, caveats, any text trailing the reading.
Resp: 3:18
